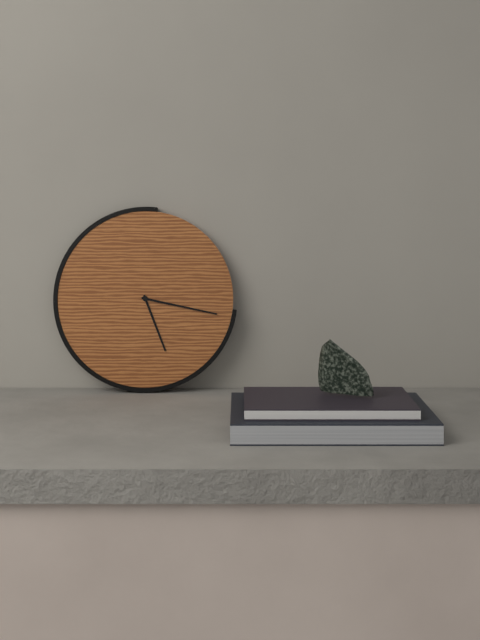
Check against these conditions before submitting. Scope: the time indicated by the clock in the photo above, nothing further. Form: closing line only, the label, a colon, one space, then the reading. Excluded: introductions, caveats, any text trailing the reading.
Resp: 5:17
